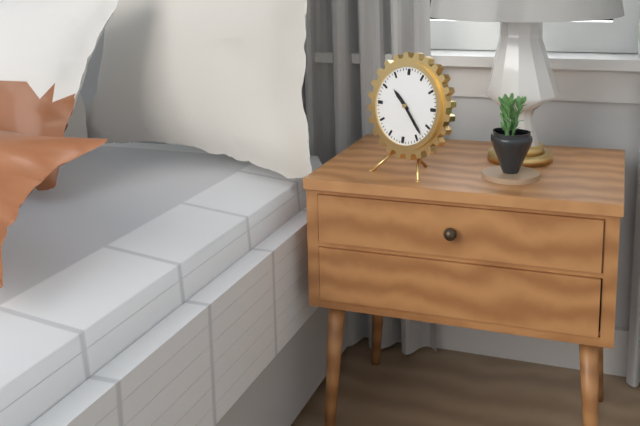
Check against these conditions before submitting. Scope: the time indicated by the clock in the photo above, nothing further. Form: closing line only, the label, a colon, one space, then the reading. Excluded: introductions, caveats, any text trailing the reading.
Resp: 10:23
